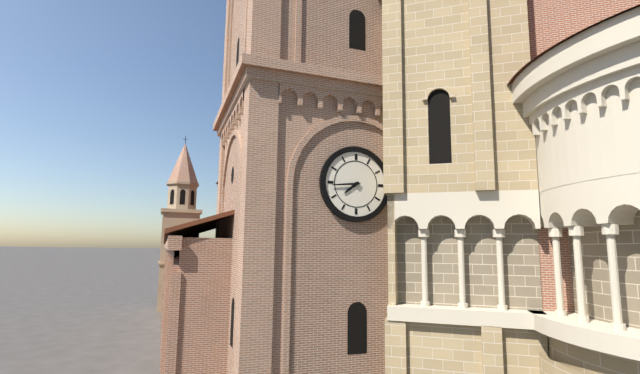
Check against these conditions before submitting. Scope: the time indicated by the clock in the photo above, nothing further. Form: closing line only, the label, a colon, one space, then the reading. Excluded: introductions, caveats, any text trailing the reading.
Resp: 7:44
